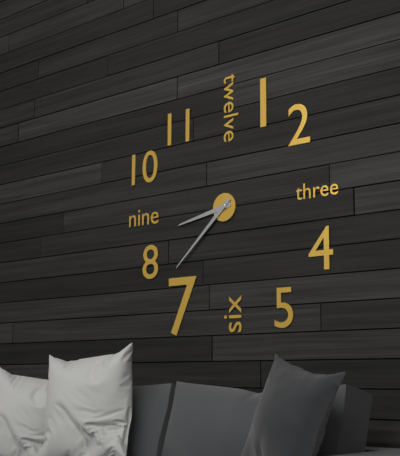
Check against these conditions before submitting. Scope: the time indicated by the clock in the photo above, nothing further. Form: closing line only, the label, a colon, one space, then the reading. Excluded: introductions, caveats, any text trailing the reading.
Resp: 8:38
